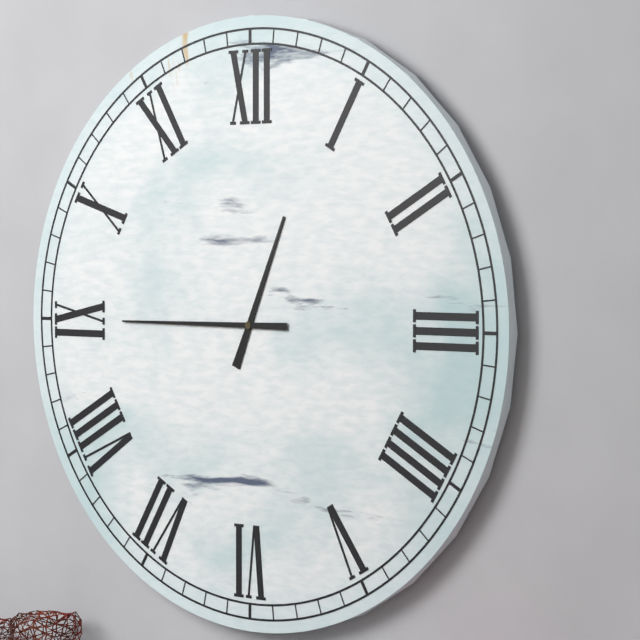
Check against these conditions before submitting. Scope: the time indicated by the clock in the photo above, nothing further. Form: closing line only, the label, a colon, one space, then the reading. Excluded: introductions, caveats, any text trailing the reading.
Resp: 12:45
